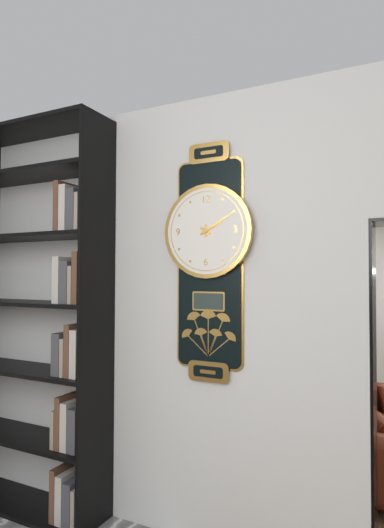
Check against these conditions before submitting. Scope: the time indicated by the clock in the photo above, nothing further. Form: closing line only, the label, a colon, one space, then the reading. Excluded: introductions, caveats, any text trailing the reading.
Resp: 2:10
